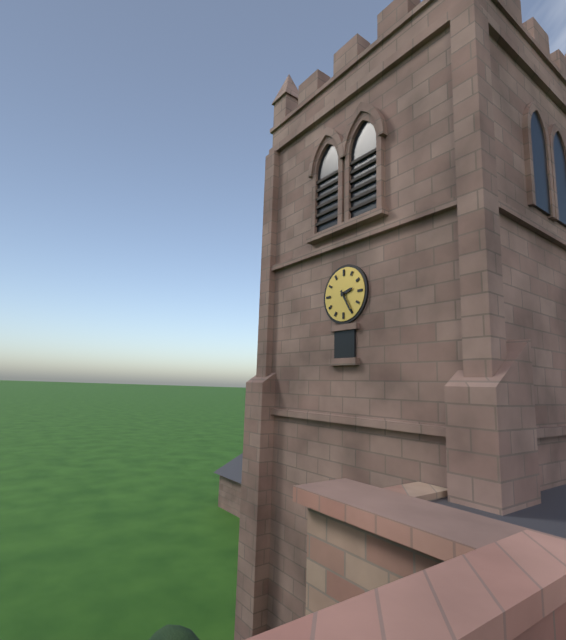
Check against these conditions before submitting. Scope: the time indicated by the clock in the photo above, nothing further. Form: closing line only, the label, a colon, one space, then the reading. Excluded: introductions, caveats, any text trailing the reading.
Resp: 2:25
